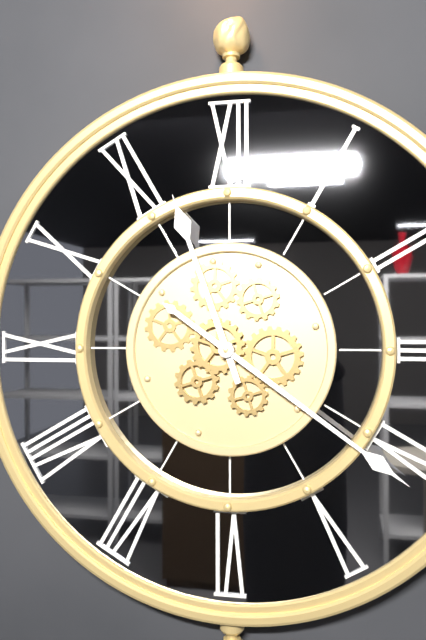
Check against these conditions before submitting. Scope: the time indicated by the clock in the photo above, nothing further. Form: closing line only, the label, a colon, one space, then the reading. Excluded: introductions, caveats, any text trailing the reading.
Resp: 11:21
